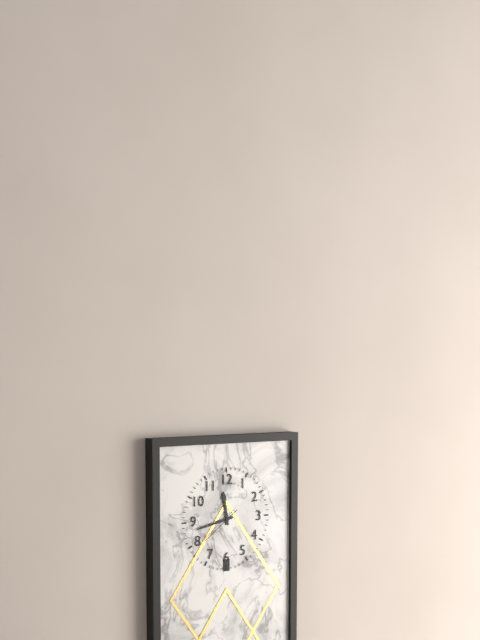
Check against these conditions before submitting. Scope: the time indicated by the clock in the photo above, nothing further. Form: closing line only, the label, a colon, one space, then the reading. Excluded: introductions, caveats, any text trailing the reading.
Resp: 11:43
